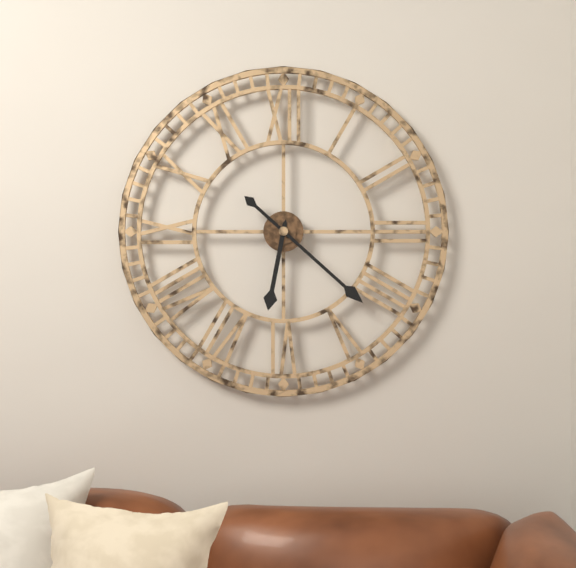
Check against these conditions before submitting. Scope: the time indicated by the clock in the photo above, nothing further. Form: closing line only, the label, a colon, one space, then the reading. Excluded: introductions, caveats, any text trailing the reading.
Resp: 6:22
